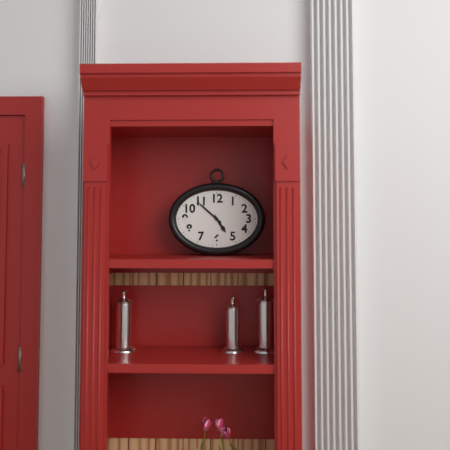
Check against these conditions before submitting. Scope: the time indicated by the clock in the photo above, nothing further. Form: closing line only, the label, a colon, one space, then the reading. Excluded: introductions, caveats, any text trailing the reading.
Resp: 4:52
